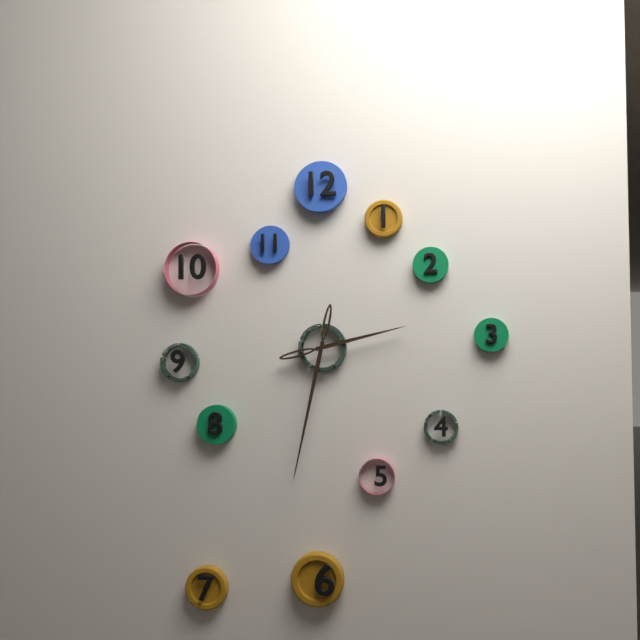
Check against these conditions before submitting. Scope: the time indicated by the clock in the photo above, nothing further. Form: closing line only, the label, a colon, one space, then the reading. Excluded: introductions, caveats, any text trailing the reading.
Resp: 2:32
